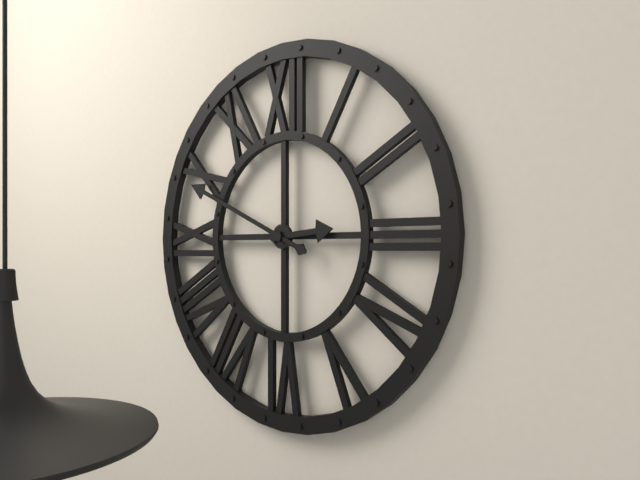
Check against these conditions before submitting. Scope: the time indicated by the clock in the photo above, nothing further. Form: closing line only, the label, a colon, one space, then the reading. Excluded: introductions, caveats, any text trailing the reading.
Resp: 2:49
